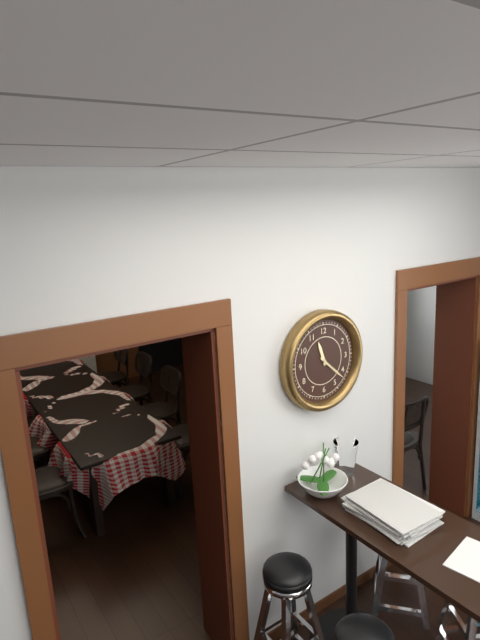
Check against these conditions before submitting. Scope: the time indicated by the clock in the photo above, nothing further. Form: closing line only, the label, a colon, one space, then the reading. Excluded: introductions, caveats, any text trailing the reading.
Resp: 11:22
